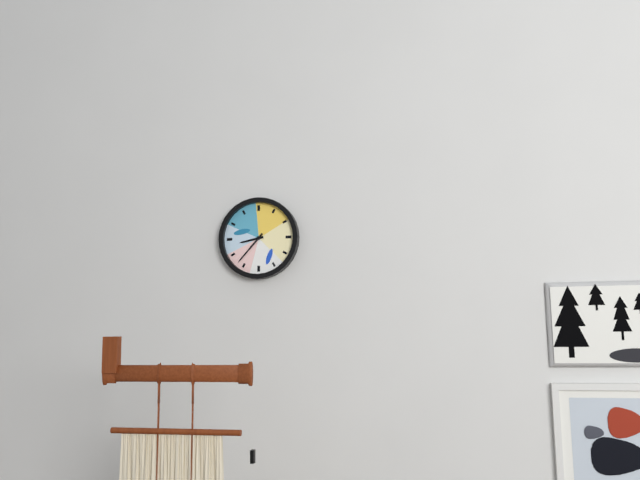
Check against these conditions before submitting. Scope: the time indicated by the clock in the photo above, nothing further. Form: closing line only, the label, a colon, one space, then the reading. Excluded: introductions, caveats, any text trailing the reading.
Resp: 8:37
